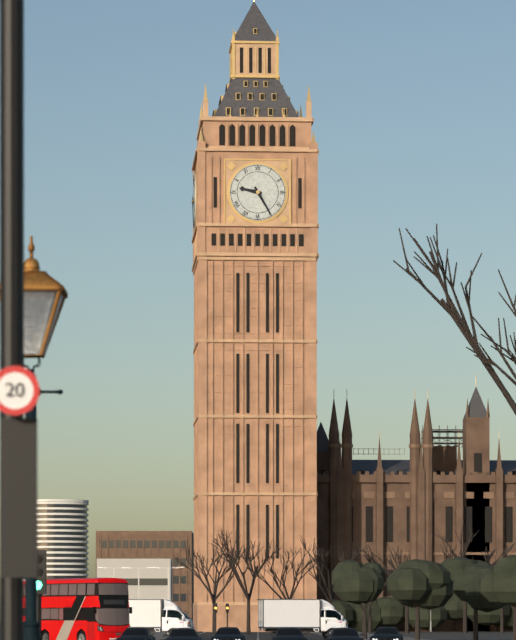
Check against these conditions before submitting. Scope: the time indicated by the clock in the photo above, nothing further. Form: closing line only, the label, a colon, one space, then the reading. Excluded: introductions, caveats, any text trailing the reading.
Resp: 9:25
